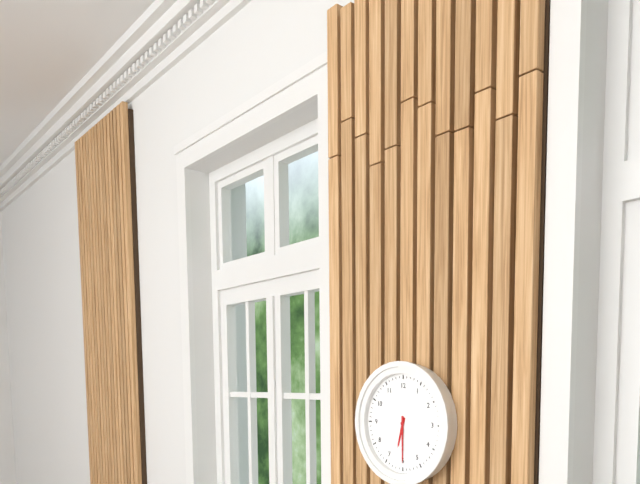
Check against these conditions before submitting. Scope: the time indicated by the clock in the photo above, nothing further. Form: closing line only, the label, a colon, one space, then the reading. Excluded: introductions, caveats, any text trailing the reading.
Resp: 6:30
